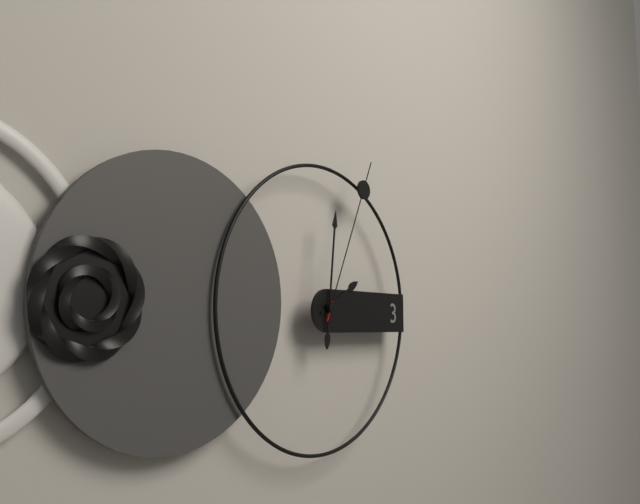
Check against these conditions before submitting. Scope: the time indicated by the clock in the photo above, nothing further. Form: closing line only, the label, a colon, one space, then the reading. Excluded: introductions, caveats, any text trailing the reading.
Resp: 2:01:04
